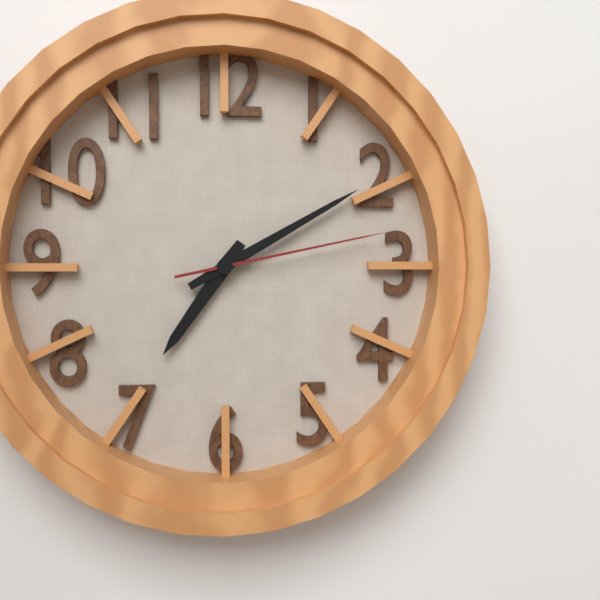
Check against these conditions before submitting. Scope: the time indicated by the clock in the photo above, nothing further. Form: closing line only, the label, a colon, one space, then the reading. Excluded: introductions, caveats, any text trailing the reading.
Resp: 7:10:13
